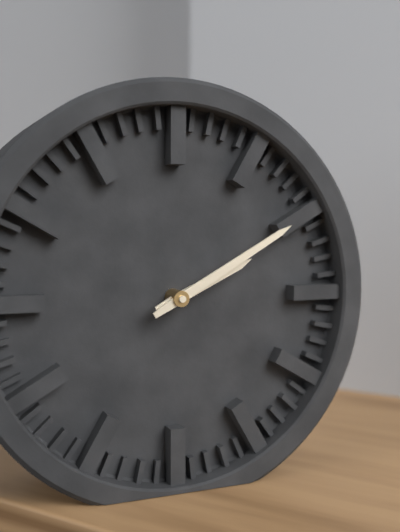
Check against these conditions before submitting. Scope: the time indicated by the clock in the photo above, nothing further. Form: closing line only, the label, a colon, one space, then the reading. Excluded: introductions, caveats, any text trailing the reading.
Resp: 2:10
